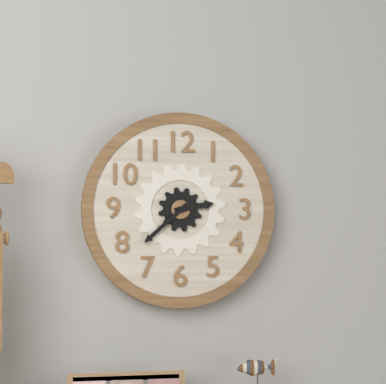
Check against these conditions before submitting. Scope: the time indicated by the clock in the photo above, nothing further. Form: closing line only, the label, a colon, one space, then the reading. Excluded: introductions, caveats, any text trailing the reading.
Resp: 2:38
